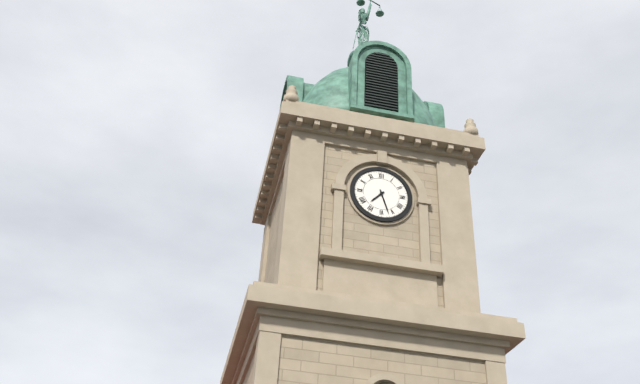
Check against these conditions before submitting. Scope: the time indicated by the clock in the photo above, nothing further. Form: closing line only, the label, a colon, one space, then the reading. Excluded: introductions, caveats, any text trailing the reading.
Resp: 7:27
